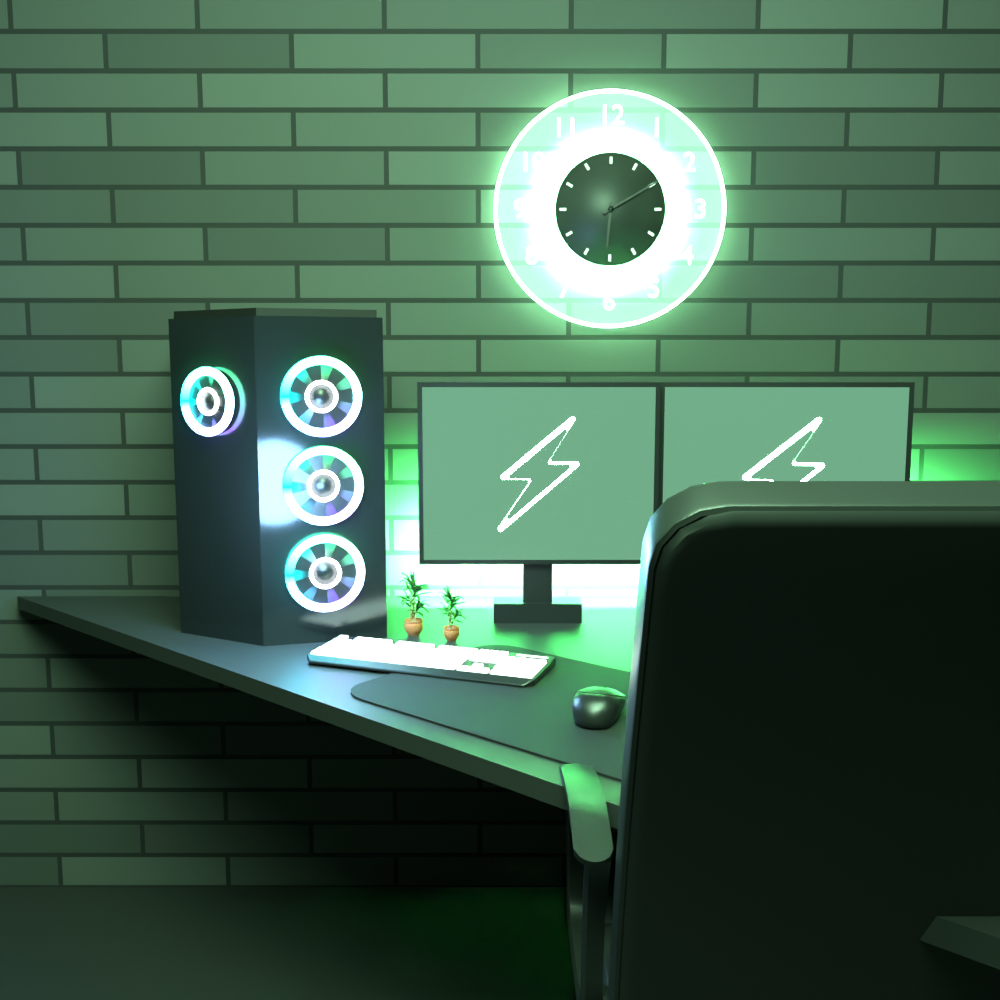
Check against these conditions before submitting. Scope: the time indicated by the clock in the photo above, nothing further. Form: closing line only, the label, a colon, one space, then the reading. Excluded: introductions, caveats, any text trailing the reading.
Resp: 6:10
